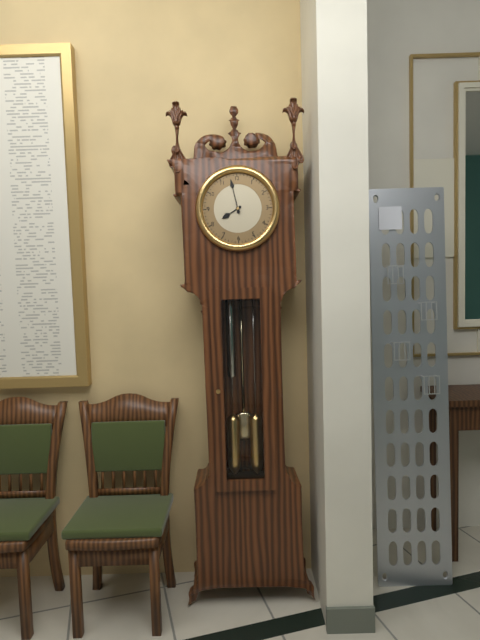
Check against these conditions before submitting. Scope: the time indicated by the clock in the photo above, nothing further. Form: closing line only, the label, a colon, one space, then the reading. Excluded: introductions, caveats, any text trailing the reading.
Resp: 7:58
